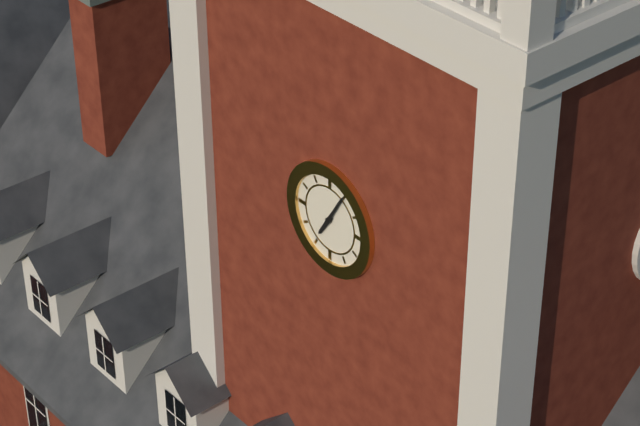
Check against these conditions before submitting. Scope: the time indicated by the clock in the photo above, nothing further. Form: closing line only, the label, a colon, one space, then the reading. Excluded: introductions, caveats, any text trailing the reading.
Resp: 7:05
